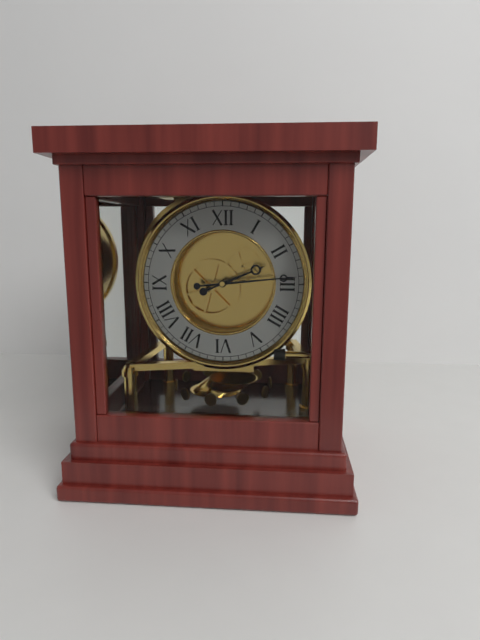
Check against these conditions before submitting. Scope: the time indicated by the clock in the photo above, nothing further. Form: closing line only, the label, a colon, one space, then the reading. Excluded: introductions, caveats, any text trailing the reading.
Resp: 2:14
